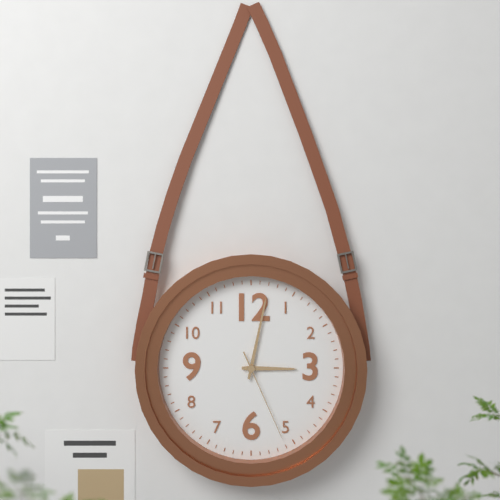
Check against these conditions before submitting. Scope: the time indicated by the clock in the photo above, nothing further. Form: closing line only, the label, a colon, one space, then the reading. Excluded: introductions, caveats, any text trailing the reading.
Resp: 3:02:26
